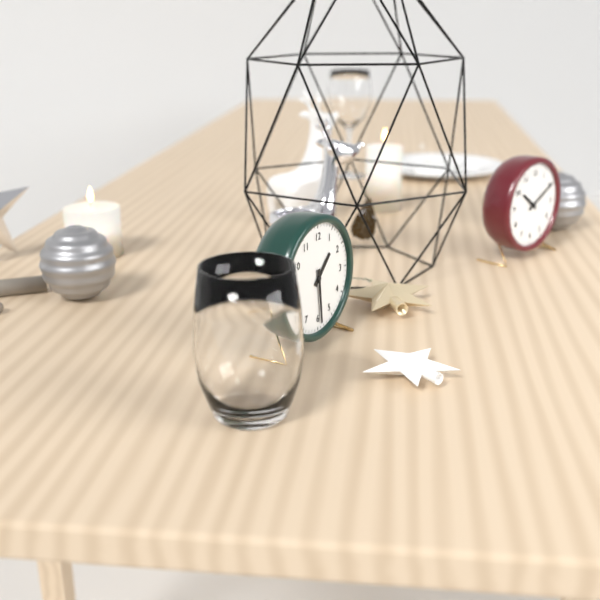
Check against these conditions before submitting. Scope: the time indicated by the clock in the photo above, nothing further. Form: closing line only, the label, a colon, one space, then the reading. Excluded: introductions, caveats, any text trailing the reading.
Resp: 1:29
